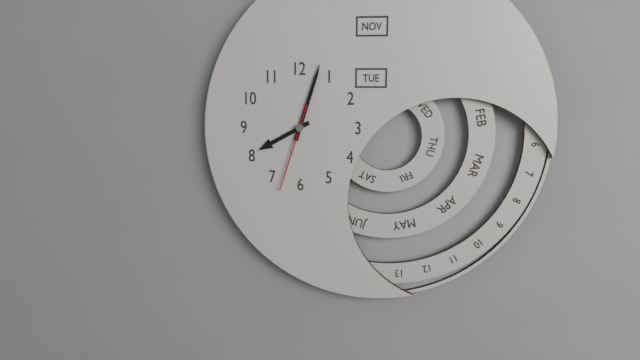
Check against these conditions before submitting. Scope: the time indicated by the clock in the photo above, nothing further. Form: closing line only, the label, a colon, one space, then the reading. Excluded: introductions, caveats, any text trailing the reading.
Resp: 8:03:33
